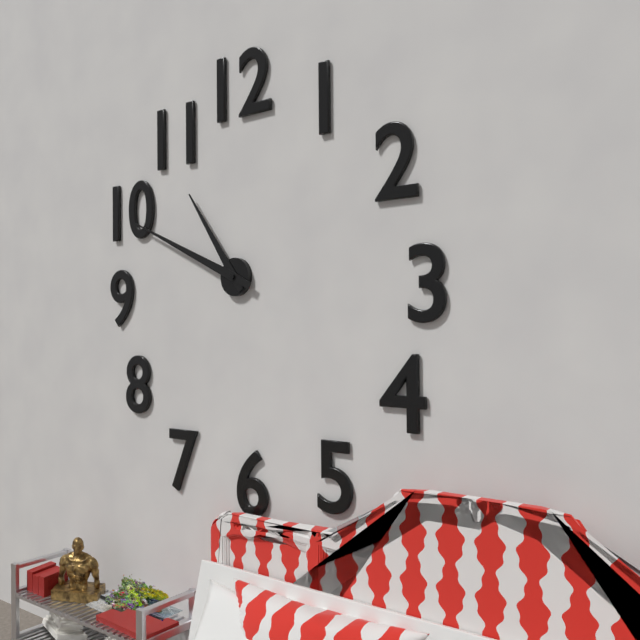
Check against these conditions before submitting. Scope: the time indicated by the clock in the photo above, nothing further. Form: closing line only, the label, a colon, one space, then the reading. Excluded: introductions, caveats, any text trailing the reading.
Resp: 10:49
